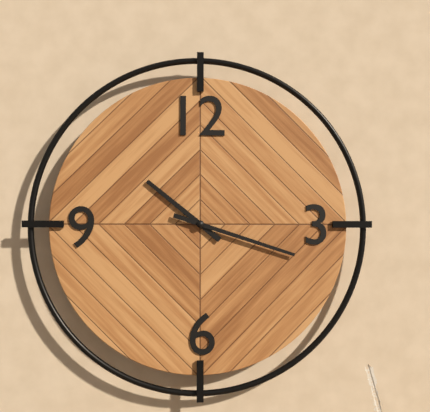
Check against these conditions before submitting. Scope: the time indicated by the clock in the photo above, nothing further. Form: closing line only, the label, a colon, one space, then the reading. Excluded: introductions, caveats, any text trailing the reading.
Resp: 10:18
